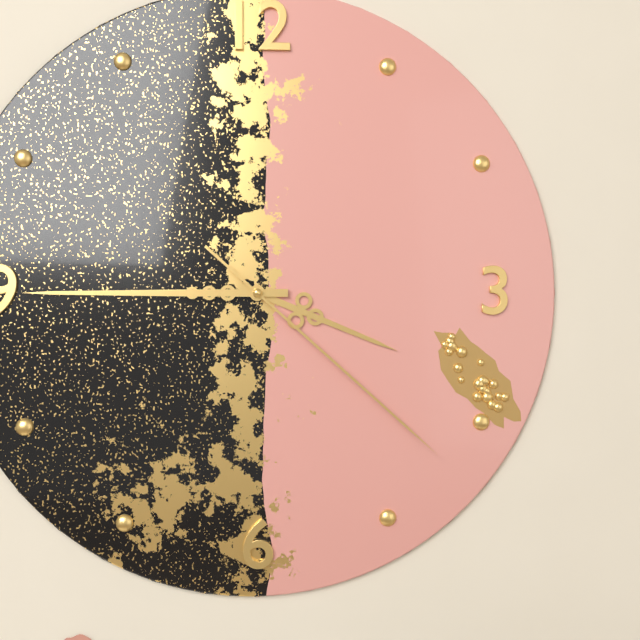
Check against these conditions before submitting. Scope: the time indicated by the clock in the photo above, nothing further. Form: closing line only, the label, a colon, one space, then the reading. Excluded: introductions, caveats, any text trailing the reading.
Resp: 3:45:22
